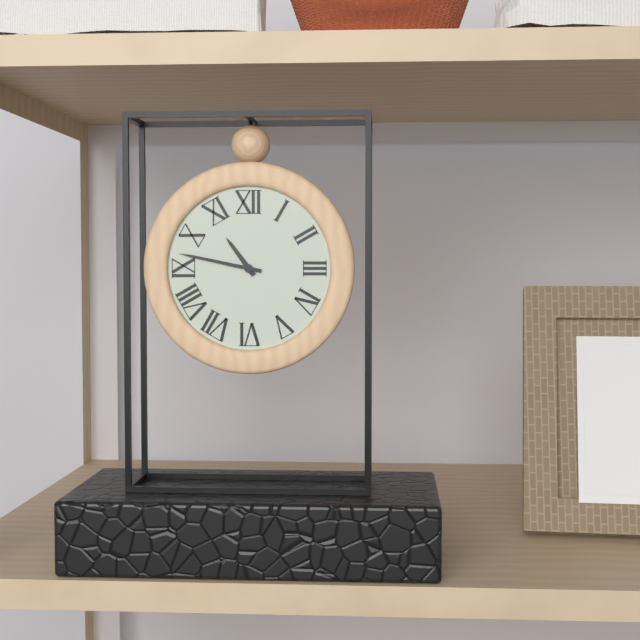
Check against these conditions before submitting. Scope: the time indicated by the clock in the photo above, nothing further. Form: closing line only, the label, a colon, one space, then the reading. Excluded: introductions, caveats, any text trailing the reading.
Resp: 10:47
